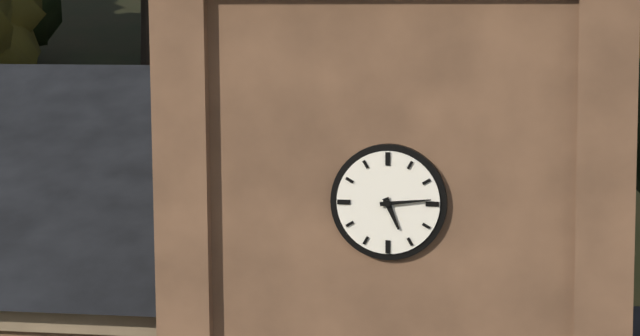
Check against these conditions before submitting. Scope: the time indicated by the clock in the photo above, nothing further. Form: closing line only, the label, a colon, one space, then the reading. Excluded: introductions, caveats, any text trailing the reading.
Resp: 5:14
